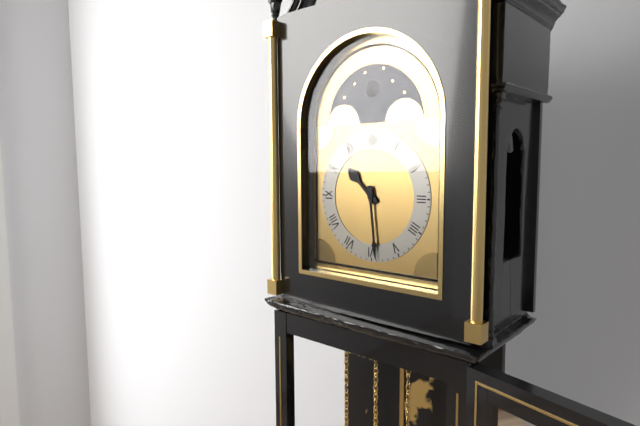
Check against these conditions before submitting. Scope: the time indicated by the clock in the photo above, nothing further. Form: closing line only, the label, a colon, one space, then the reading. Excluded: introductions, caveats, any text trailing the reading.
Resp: 10:29
